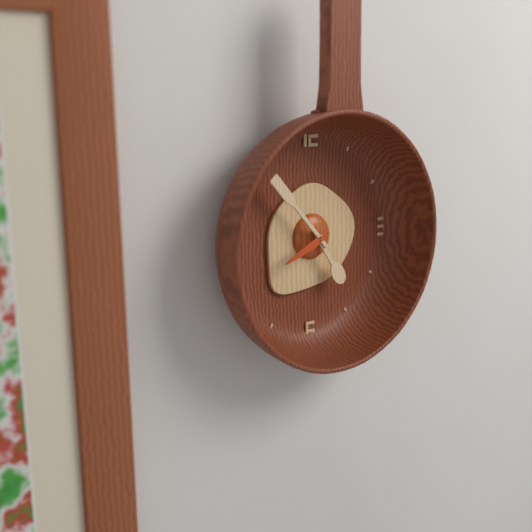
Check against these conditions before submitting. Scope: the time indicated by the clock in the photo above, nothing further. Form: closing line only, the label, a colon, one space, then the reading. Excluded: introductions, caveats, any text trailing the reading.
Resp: 4:53:41
